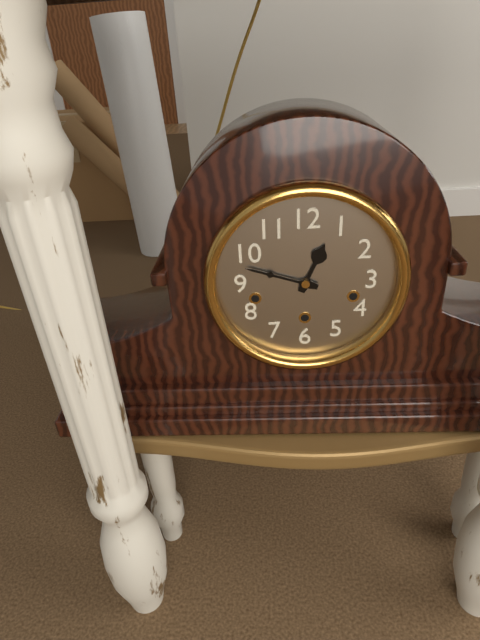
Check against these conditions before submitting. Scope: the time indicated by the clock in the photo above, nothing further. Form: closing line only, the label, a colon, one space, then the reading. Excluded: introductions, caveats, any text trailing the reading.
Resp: 12:48
